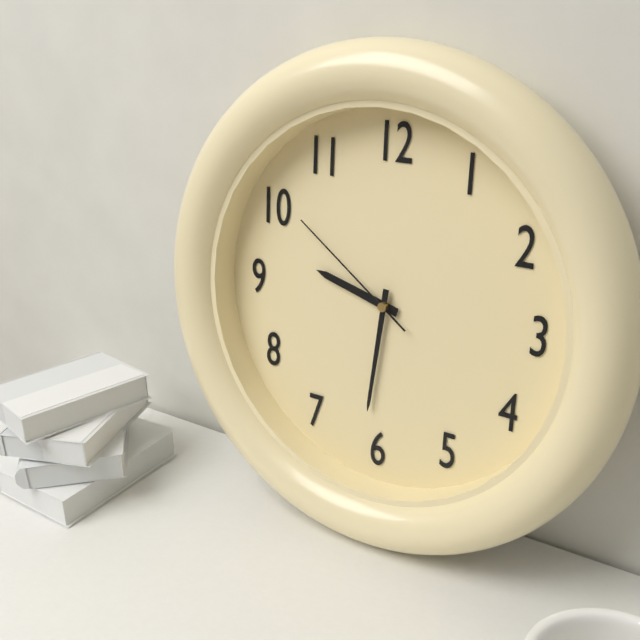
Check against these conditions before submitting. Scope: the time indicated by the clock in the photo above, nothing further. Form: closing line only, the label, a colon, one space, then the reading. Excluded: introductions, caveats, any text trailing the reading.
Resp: 9:31:51
